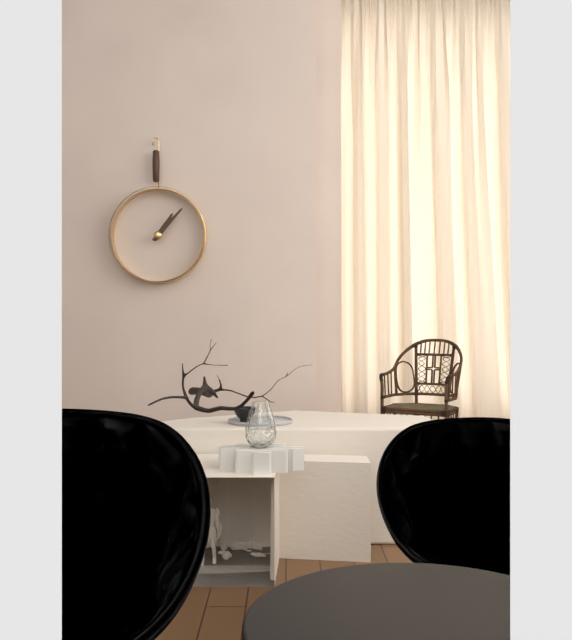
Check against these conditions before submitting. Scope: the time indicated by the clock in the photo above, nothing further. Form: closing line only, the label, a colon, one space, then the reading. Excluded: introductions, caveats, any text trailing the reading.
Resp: 1:07
